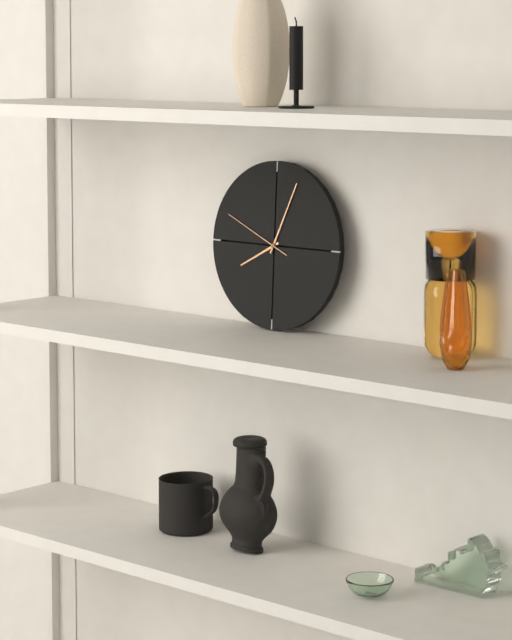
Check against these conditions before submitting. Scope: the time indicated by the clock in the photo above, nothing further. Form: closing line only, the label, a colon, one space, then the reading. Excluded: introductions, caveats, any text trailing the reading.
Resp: 8:04:49
